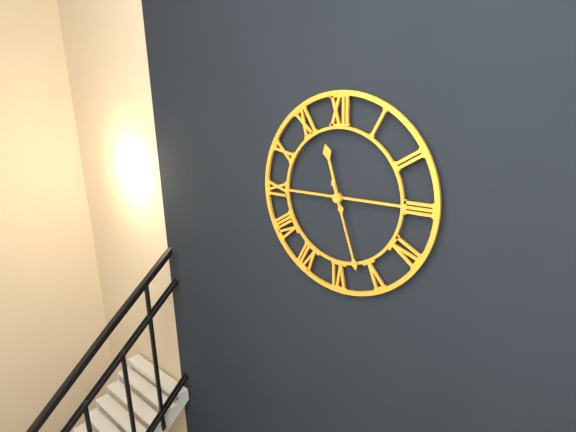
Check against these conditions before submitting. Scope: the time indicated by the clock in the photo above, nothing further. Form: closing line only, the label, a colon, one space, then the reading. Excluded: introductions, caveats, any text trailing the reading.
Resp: 11:27
